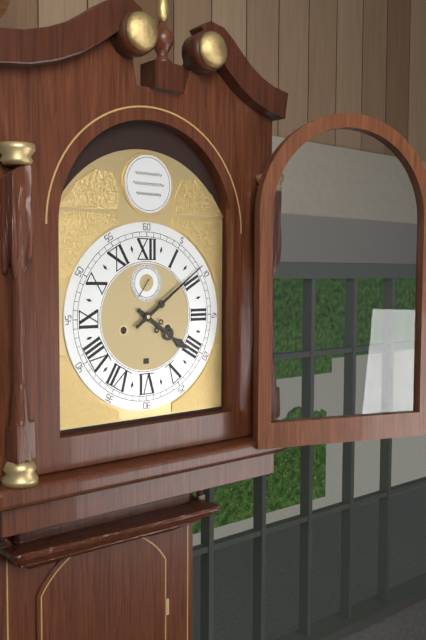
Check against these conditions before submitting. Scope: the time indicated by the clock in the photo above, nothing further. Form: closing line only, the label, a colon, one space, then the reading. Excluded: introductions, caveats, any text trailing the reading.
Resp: 4:09
